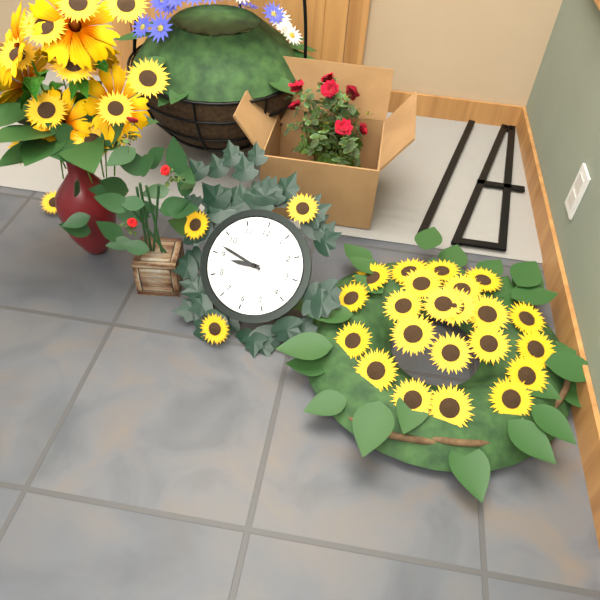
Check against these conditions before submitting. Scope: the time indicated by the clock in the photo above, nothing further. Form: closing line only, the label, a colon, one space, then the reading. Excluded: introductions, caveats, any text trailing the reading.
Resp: 8:47
